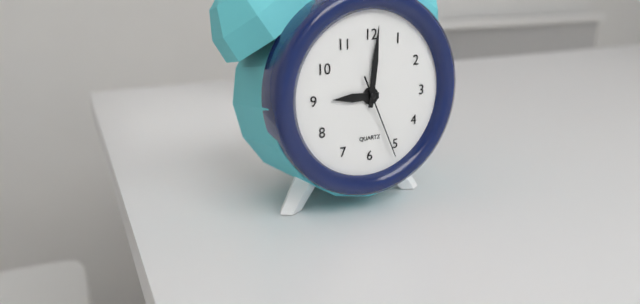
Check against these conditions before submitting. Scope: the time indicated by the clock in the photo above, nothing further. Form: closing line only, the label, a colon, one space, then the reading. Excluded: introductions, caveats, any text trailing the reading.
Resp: 9:01:26
